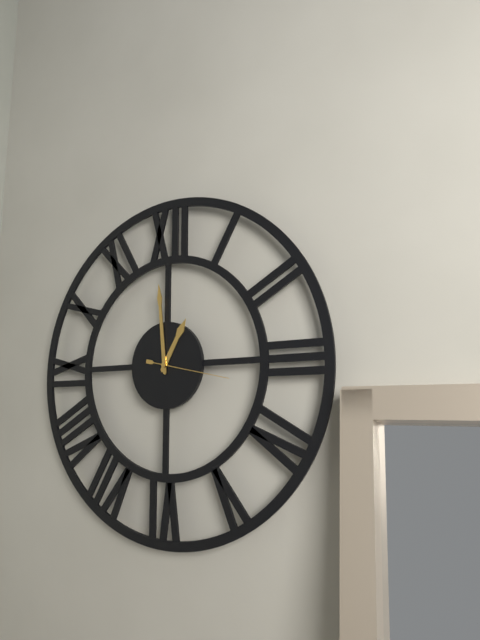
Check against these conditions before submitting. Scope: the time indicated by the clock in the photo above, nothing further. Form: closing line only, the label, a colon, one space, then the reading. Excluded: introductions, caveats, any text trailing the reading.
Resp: 12:59:17
